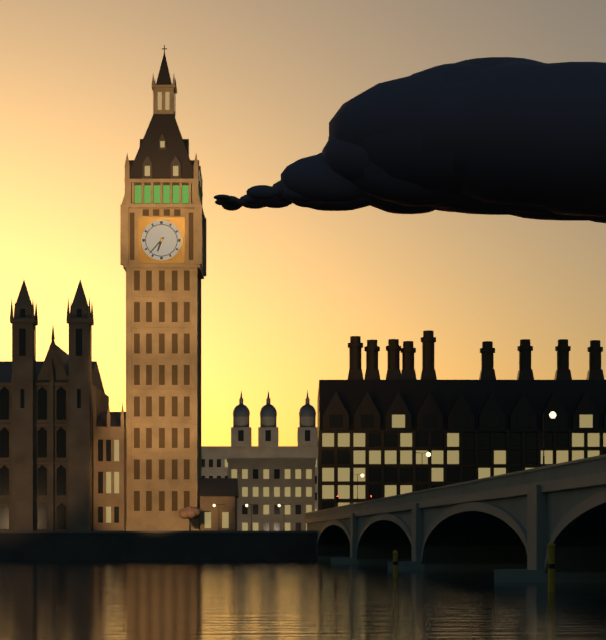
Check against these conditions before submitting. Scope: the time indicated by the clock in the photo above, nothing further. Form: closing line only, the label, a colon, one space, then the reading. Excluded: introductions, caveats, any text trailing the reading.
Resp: 6:37
